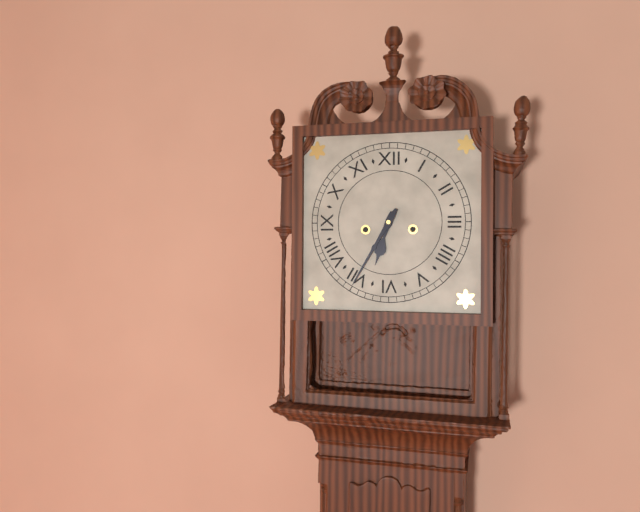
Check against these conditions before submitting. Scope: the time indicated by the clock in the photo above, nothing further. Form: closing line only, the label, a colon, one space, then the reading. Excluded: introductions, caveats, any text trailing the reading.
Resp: 6:35
